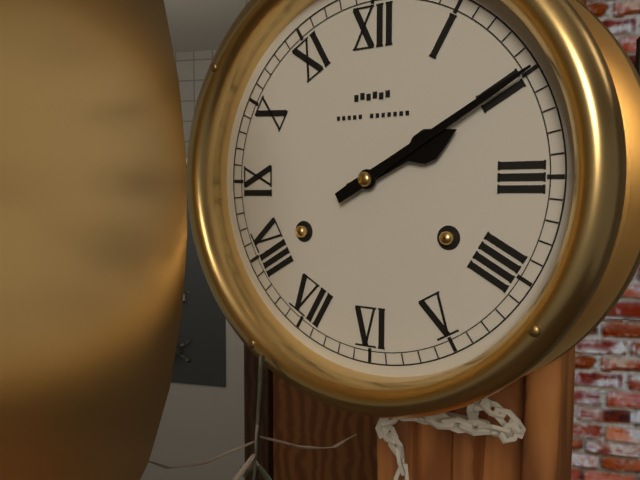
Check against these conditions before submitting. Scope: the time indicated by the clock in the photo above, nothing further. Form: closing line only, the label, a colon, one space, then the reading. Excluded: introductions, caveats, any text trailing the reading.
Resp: 2:10
